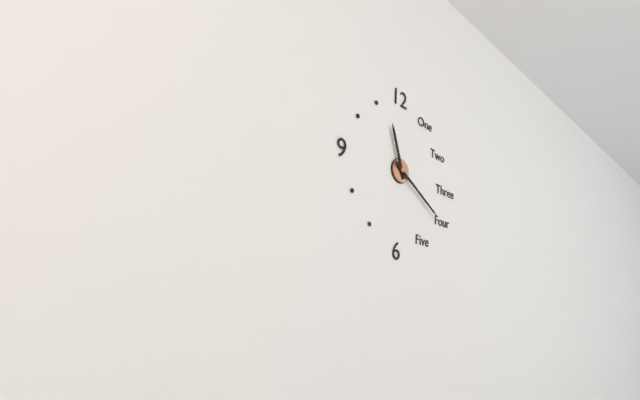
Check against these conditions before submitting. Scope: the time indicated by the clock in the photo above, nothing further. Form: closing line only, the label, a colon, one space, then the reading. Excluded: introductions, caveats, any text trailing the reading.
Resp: 11:20
